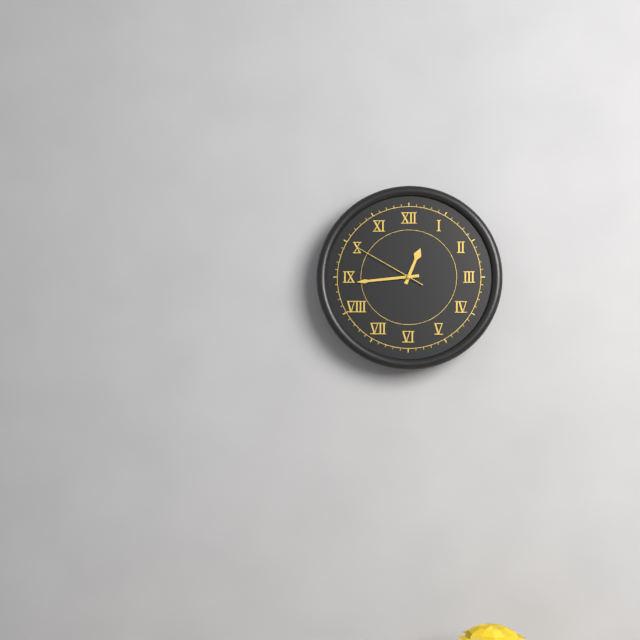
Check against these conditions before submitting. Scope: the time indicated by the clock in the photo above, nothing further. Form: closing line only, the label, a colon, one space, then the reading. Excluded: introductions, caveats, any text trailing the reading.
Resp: 12:44:50
